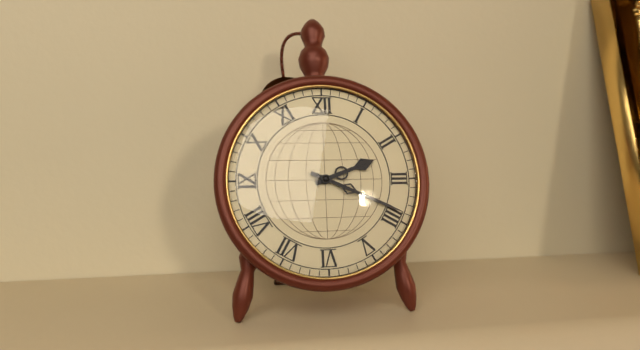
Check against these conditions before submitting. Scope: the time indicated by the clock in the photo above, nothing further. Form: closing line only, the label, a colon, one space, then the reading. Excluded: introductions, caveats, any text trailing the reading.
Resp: 2:19
